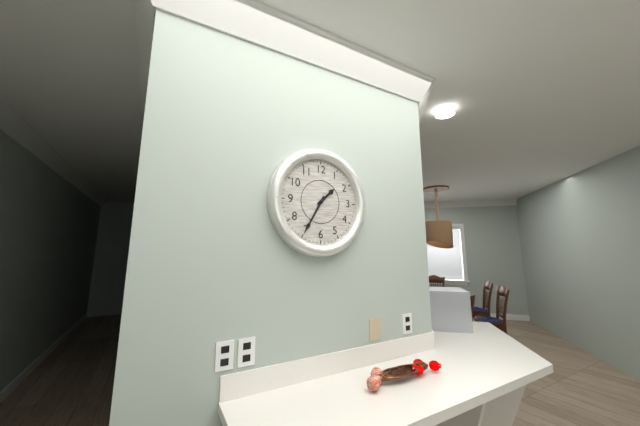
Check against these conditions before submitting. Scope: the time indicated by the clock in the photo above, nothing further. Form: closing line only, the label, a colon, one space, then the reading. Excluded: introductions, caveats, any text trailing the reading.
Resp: 1:35
